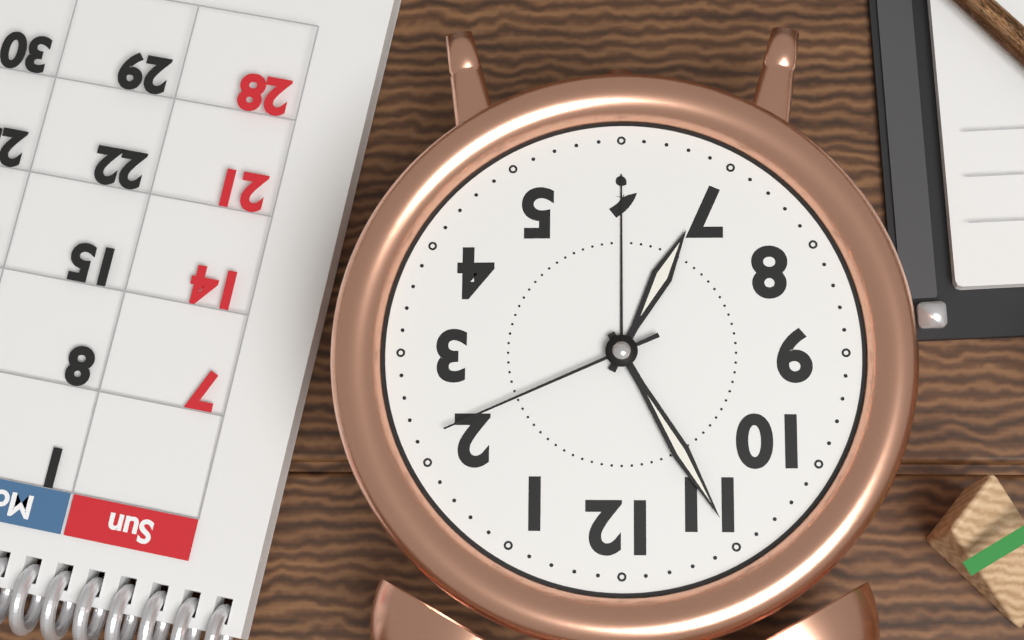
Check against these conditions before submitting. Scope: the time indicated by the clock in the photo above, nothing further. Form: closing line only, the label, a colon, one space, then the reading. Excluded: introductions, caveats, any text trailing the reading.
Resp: 6:55:11
